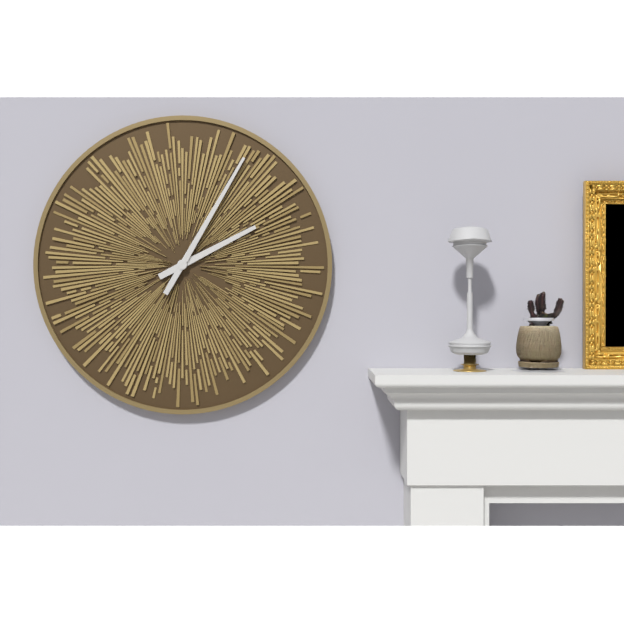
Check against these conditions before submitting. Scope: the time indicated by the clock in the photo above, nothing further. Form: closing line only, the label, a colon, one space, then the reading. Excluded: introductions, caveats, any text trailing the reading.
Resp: 2:05
